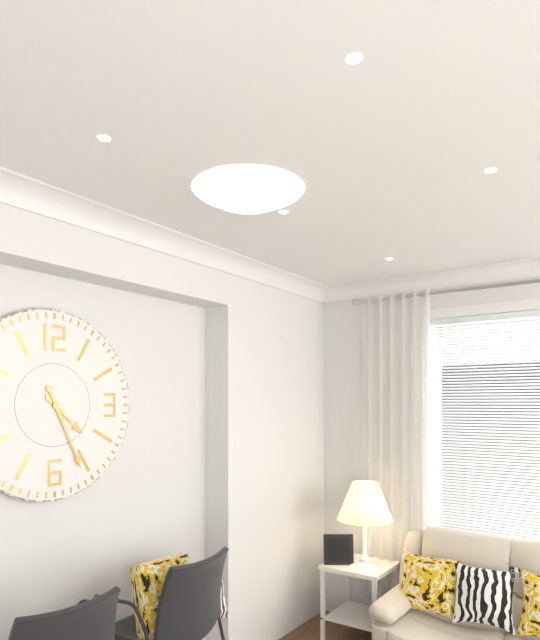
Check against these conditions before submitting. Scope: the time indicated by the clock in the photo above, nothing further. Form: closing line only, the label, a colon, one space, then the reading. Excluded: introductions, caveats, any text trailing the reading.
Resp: 4:26
